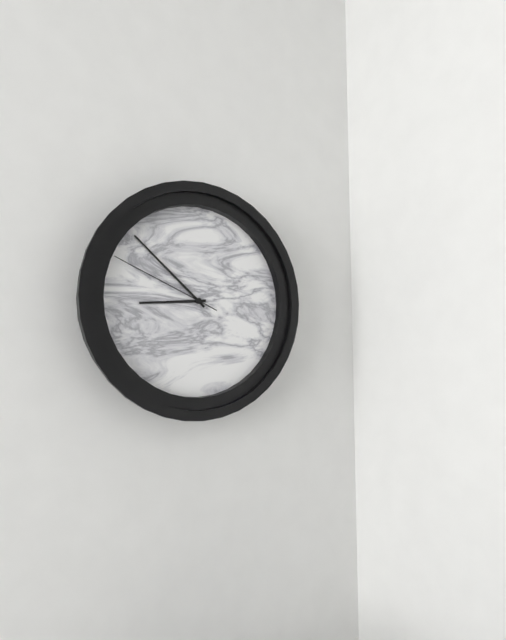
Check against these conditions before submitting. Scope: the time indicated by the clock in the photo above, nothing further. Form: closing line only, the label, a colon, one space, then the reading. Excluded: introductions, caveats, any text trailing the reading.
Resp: 8:52:49
